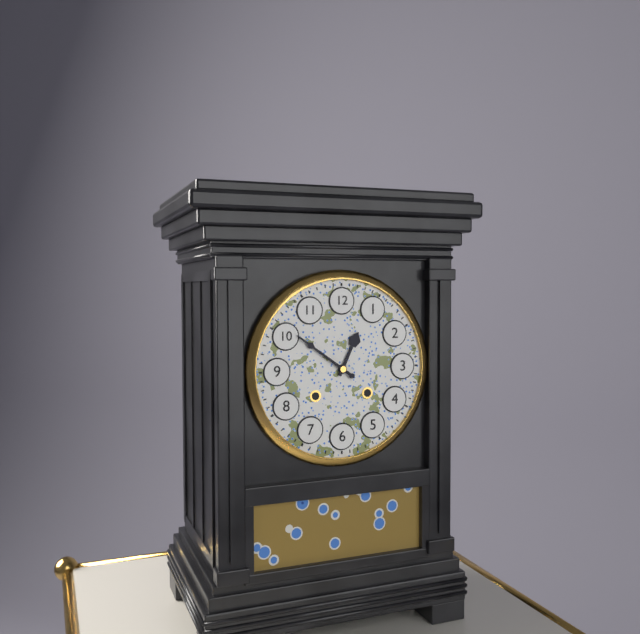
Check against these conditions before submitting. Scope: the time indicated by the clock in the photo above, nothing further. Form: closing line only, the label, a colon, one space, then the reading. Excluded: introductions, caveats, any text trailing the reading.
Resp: 12:51
